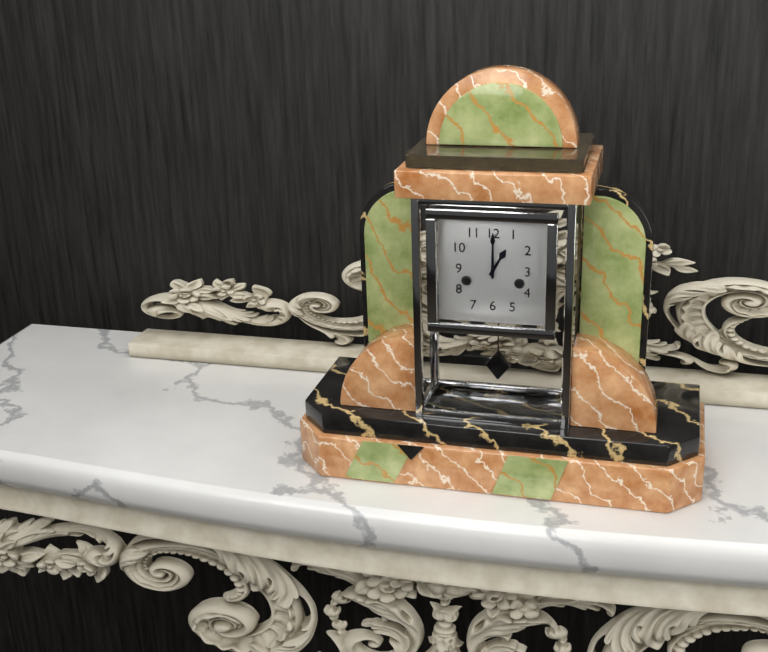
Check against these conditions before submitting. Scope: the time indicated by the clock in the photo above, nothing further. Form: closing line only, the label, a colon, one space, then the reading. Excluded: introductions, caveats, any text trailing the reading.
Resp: 1:00
